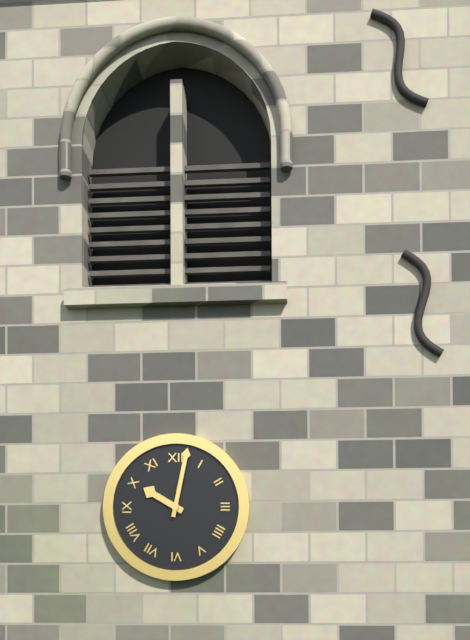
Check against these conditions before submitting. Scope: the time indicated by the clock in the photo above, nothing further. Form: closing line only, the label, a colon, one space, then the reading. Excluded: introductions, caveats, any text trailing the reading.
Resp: 10:02
